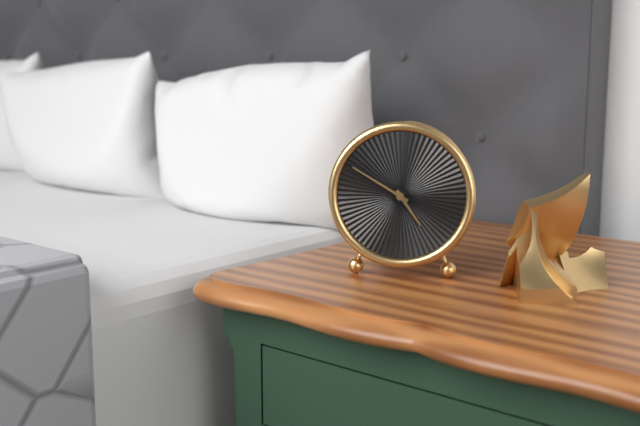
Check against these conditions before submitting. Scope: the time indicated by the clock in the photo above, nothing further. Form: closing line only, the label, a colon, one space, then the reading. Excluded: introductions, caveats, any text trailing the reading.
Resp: 4:50
